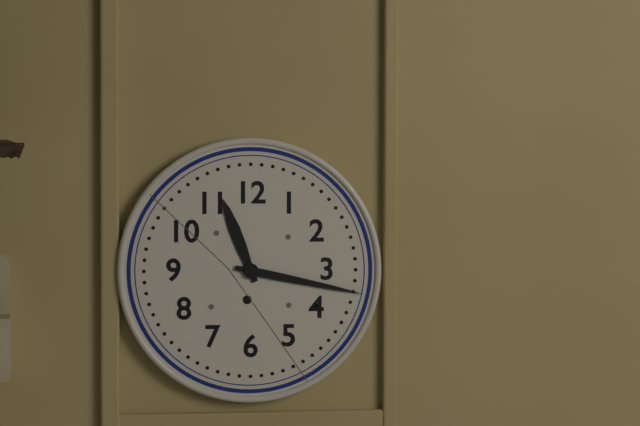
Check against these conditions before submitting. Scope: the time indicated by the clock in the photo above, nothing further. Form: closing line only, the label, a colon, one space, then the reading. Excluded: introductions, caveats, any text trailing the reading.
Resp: 11:17
